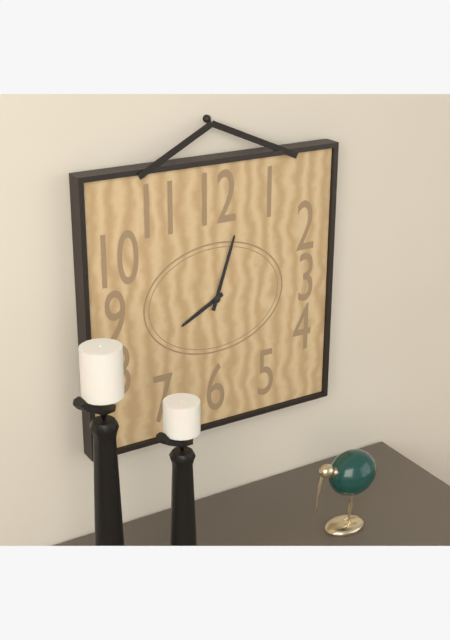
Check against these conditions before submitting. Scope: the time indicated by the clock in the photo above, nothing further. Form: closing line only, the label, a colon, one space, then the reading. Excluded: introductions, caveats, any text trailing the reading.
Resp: 8:03
